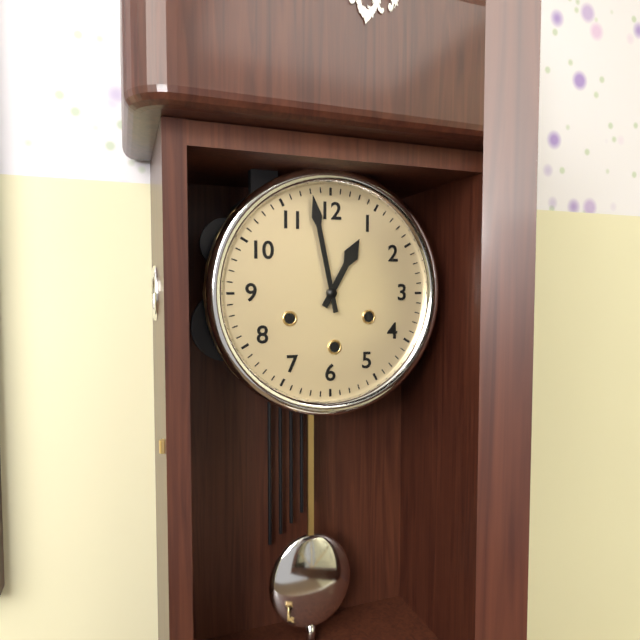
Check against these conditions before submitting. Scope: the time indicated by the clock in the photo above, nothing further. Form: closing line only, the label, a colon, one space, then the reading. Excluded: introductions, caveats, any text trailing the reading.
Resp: 12:58
